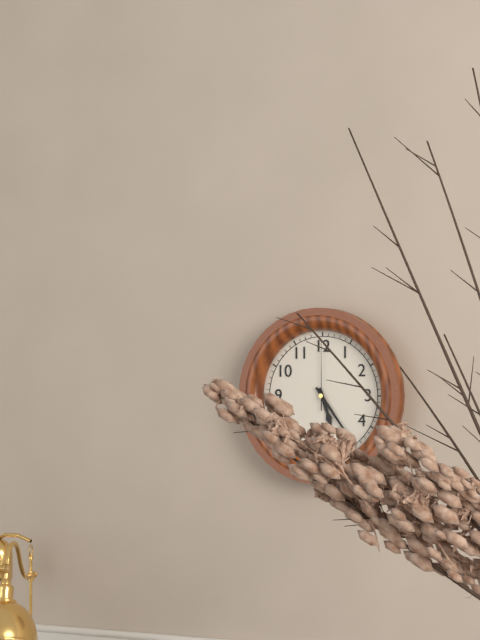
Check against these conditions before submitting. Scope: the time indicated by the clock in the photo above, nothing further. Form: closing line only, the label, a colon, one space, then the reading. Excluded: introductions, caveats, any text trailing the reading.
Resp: 5:24:00
